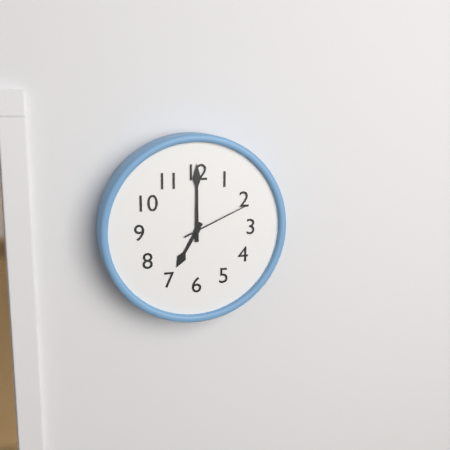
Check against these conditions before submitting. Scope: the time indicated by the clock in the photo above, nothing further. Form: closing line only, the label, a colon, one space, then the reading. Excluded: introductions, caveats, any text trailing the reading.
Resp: 7:00:11
